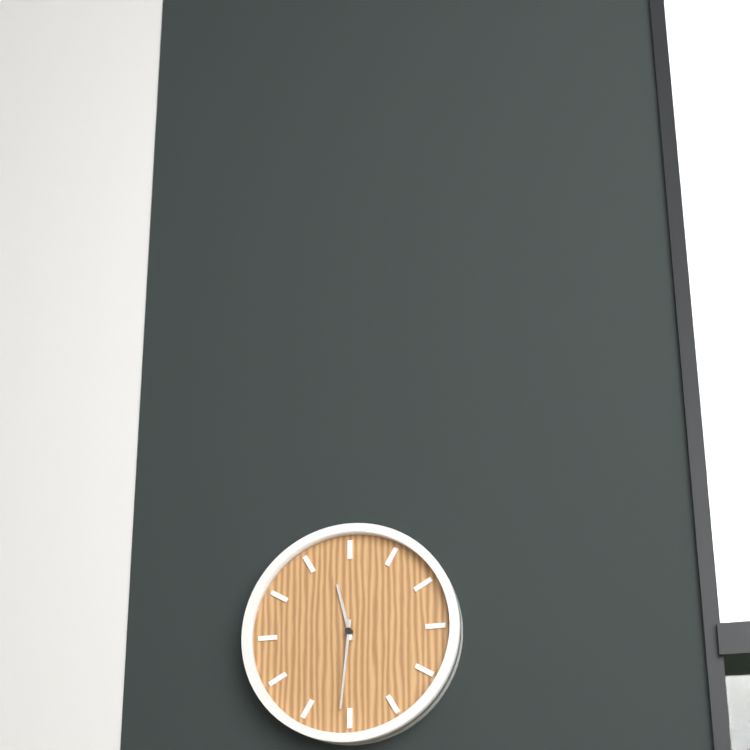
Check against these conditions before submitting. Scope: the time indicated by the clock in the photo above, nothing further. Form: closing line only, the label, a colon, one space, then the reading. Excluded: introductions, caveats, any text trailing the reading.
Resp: 11:31
